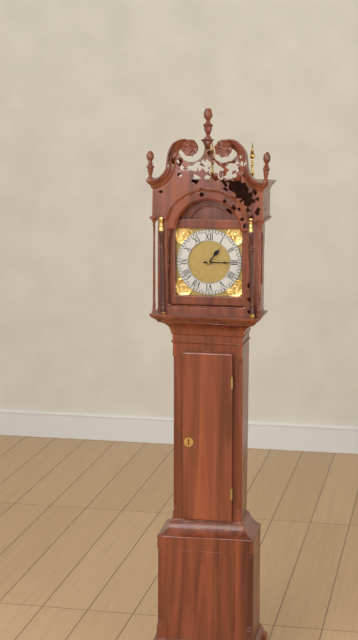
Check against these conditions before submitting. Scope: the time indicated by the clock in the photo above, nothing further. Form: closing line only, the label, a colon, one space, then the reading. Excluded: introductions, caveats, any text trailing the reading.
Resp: 1:15
